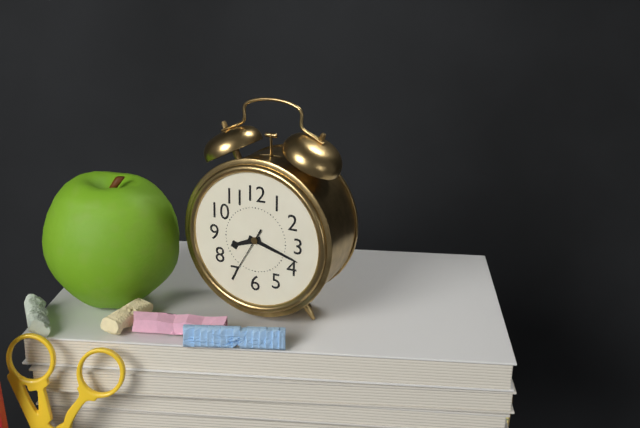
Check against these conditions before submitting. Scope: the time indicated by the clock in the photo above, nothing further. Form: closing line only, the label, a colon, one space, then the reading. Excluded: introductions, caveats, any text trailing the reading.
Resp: 8:18:35
